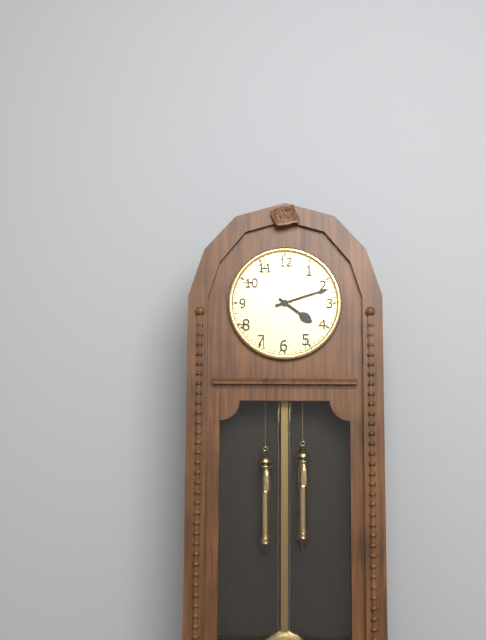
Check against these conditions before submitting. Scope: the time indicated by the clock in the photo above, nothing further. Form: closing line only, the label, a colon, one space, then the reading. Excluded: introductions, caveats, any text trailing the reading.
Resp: 4:12
